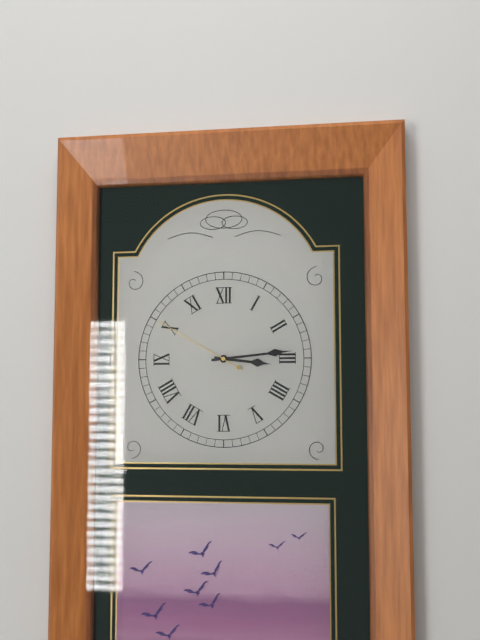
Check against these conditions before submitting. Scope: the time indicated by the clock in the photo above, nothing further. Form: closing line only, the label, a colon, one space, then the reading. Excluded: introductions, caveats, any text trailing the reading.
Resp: 3:14:50
